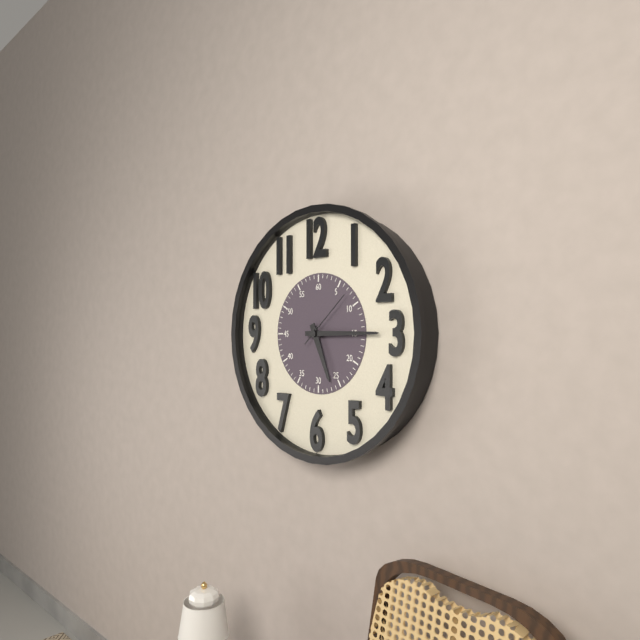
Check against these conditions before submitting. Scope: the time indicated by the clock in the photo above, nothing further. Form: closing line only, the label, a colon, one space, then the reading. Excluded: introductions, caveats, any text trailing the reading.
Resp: 5:15:08
